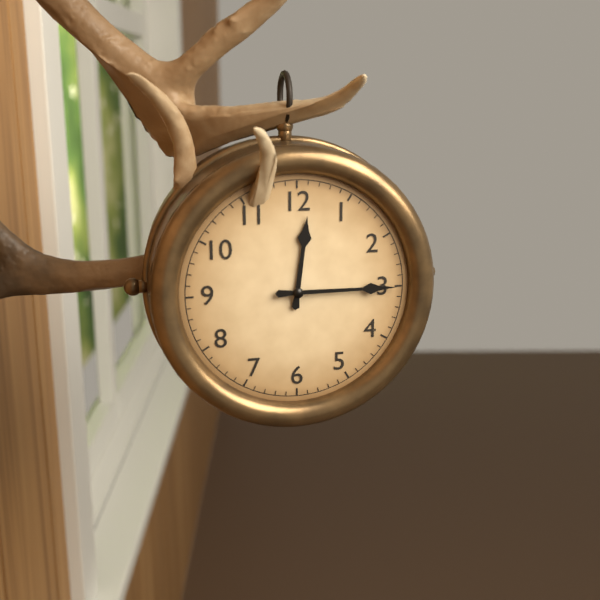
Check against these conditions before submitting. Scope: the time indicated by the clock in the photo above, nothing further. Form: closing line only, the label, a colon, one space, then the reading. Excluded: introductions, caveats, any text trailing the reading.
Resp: 12:15
